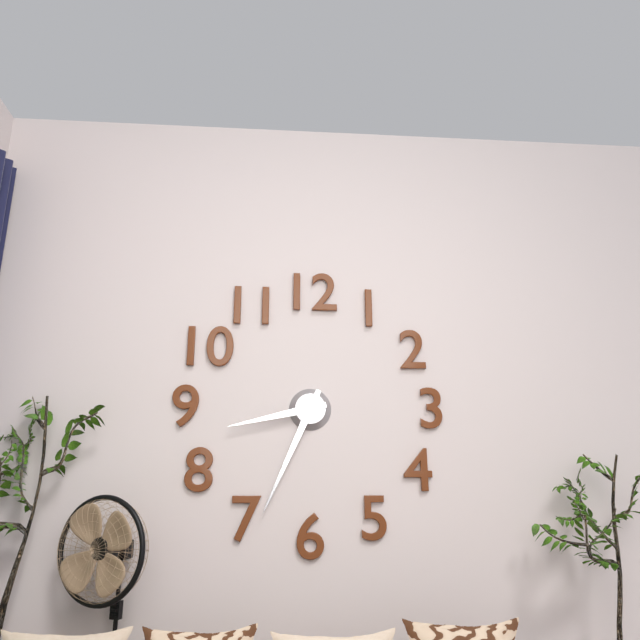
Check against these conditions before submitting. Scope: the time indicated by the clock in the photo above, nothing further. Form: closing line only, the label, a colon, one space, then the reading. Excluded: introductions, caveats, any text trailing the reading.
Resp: 8:34
